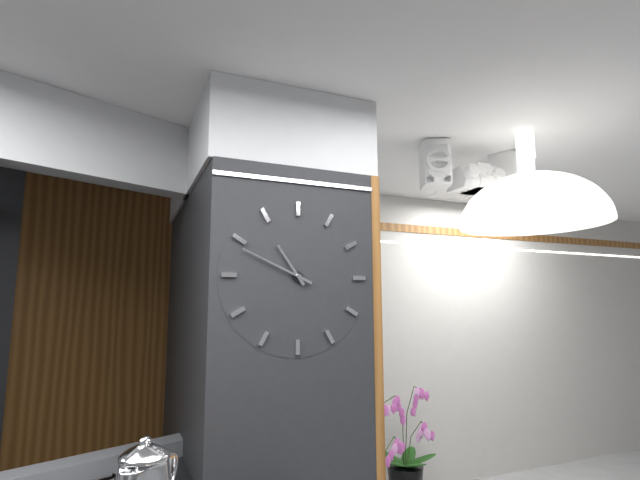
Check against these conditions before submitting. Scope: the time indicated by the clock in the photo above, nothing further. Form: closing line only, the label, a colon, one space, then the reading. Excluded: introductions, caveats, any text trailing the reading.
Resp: 10:49
